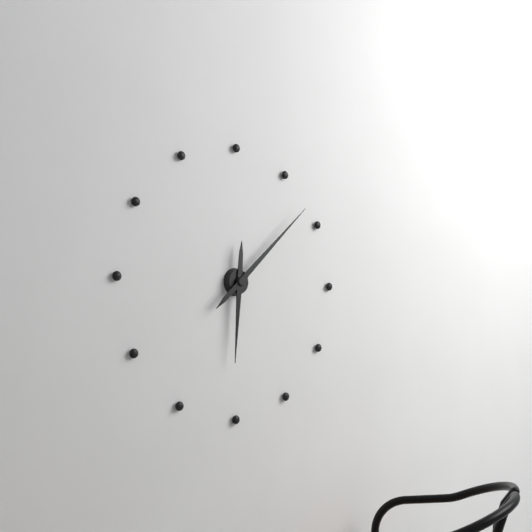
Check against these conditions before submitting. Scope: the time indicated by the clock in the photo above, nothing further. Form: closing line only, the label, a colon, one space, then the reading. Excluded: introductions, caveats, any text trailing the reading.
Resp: 6:08
